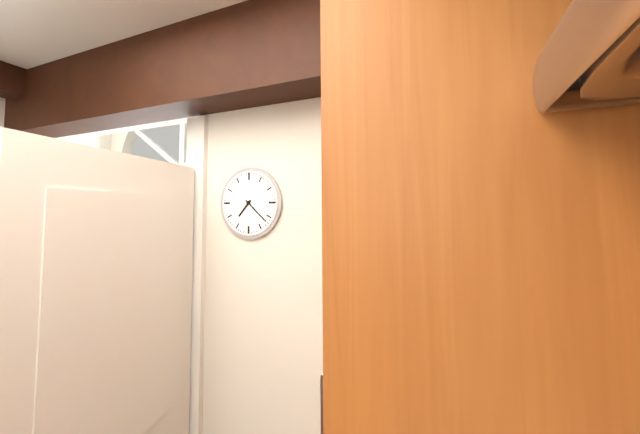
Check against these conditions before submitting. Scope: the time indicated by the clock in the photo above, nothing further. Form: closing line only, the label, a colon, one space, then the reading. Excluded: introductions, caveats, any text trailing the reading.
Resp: 7:22
